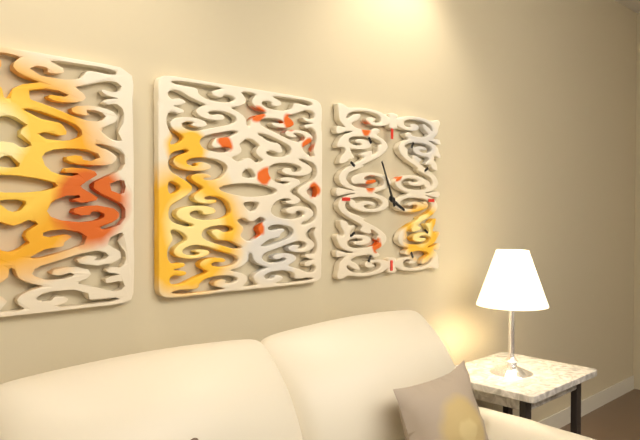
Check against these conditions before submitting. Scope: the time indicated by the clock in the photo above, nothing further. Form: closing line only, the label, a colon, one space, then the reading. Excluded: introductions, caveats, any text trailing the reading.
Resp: 3:56
